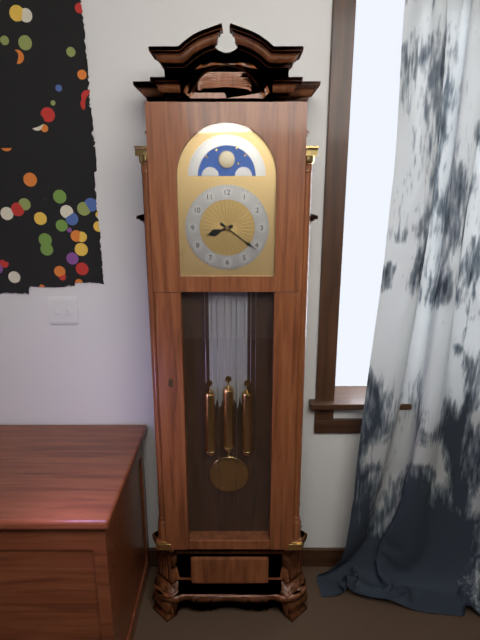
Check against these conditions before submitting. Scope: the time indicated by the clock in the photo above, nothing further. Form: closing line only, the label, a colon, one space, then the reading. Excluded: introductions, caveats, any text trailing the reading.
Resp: 8:21
